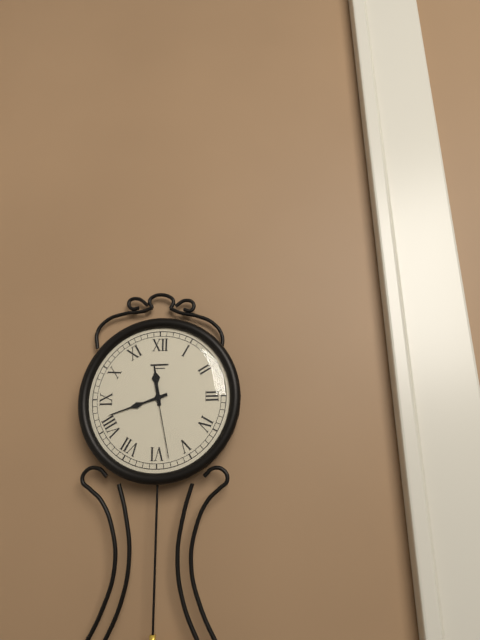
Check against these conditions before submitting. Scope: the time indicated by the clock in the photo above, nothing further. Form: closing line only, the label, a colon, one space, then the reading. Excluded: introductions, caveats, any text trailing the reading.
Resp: 11:42:28
